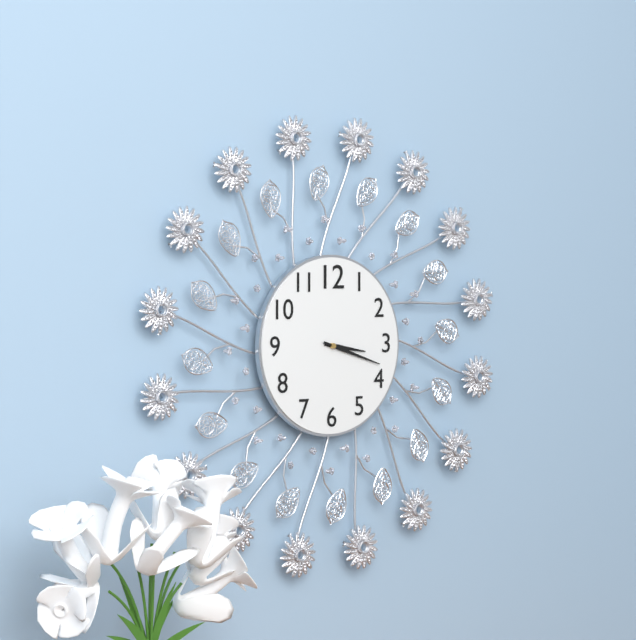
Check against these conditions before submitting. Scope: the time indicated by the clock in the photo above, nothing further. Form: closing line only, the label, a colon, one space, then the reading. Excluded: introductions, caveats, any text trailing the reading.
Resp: 3:18
